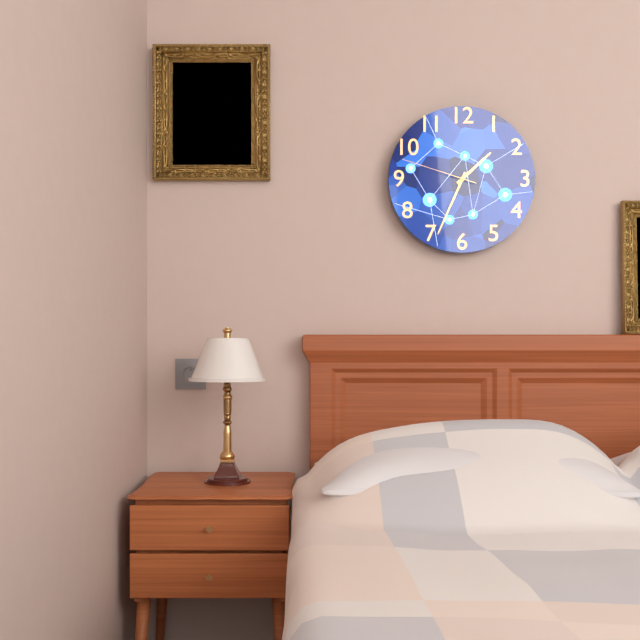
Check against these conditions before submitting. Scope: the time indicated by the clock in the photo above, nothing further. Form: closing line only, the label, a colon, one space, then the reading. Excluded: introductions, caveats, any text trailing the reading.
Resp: 1:34:48
